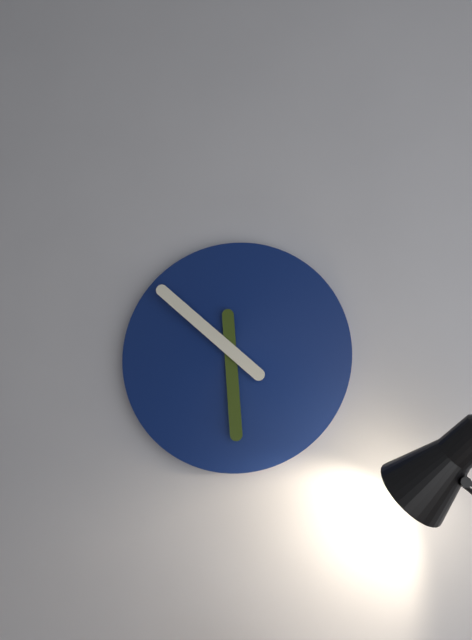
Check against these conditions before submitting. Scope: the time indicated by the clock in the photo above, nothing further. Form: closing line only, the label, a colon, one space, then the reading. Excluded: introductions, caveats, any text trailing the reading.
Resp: 5:52
